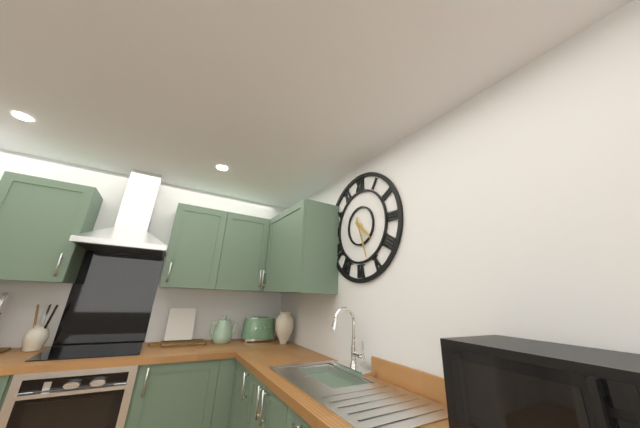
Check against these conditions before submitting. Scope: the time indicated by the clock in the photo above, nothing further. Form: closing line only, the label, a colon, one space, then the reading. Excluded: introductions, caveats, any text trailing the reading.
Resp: 4:27
